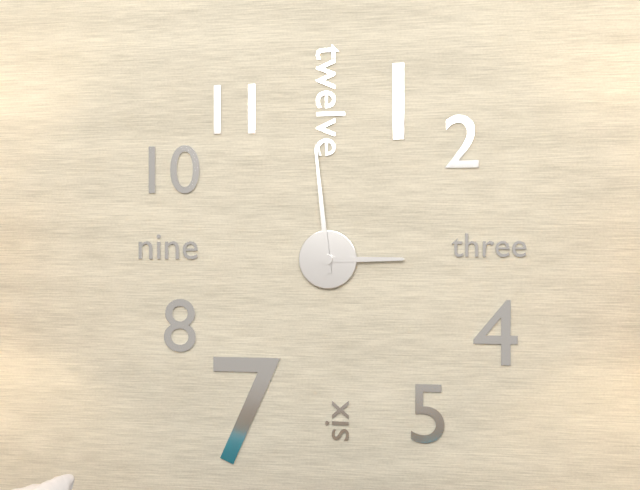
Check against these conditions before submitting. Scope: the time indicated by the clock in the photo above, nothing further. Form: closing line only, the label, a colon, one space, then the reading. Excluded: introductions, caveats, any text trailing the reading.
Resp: 2:59
